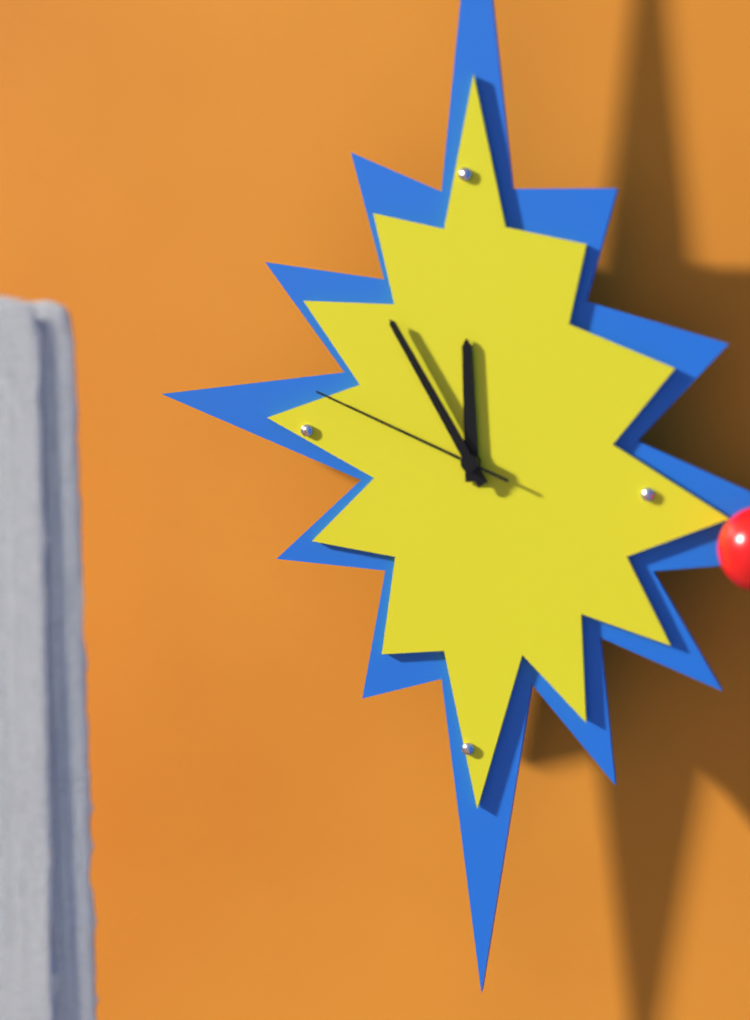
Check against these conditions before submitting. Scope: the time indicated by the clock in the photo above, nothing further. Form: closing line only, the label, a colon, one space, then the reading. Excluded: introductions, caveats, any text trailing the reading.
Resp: 11:55:49
